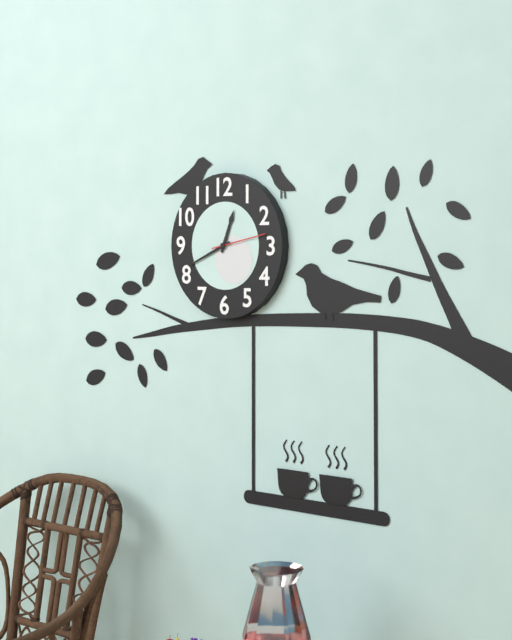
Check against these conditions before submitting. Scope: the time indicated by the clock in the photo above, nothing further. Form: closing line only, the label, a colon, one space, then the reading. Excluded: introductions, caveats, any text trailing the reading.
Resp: 12:41:13
